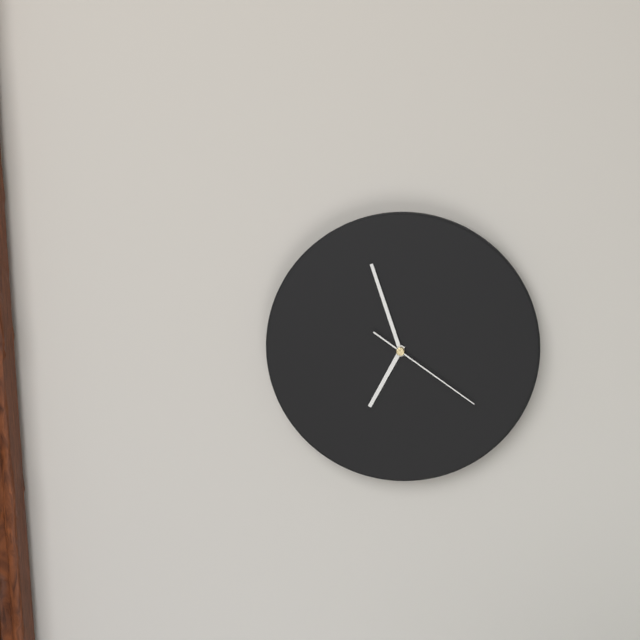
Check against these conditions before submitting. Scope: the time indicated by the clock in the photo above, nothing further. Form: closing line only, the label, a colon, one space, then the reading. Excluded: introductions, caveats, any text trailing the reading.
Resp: 6:57:21
